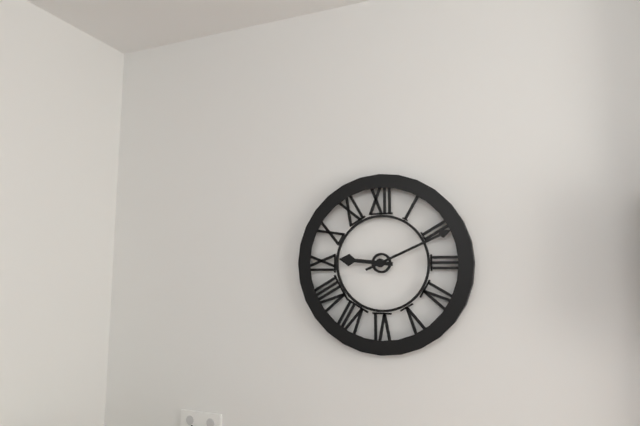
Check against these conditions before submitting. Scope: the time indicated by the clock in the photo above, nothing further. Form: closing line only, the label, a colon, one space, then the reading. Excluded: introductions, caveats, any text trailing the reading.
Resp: 9:11
